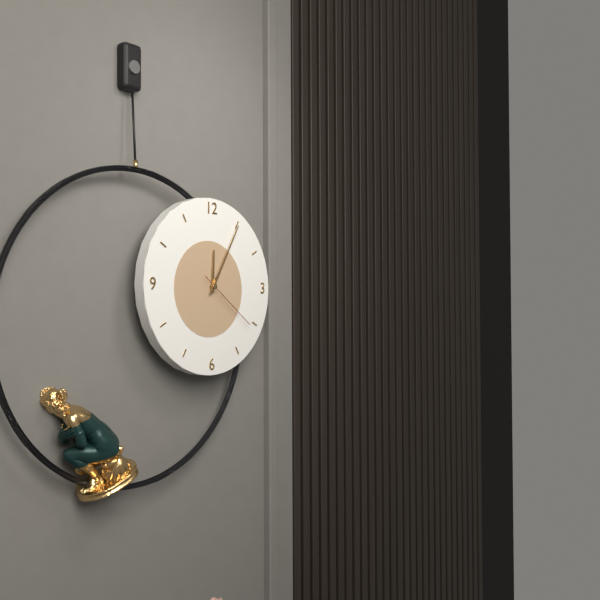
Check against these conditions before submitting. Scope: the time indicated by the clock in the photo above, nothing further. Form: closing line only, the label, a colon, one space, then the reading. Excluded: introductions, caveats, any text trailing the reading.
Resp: 12:05:21
